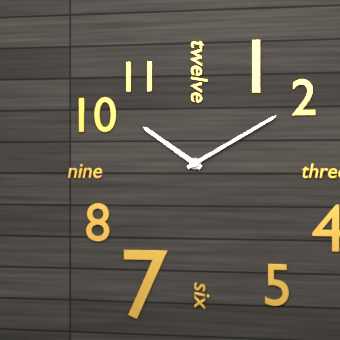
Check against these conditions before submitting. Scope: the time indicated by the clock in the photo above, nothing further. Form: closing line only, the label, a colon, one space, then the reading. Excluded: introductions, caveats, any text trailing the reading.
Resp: 10:10
